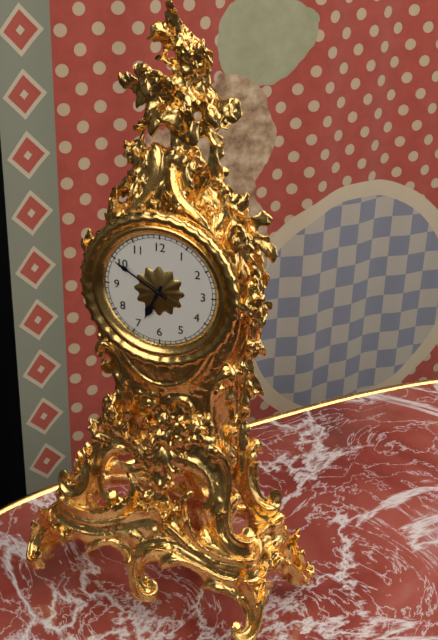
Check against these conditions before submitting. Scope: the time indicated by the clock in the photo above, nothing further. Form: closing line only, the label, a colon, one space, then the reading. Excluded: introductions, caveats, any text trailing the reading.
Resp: 6:50
